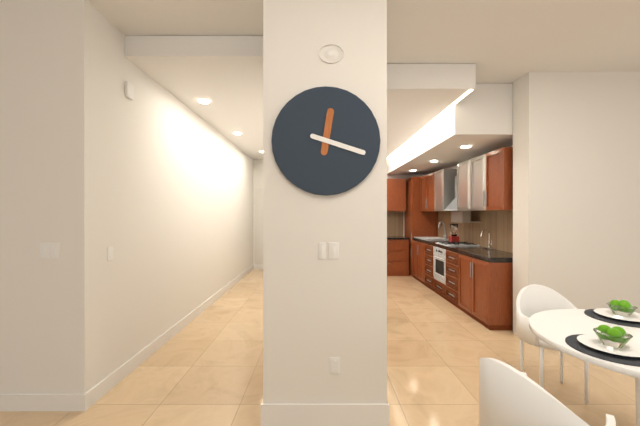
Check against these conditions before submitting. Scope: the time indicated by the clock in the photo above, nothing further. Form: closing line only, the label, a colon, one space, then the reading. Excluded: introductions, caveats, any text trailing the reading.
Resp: 12:18
